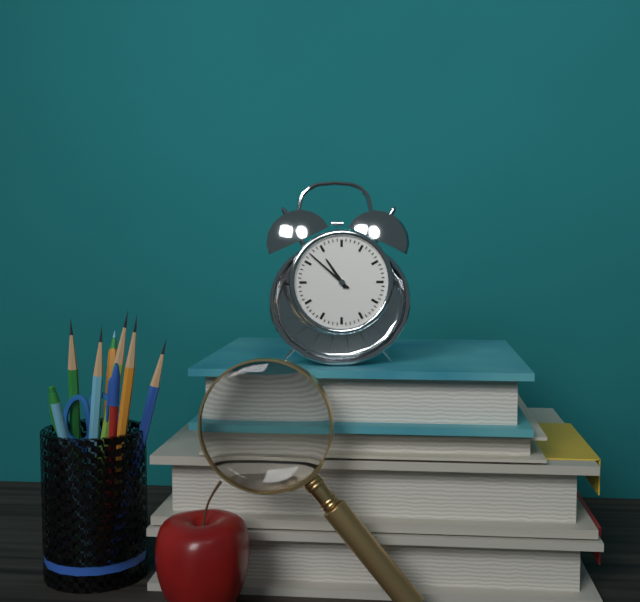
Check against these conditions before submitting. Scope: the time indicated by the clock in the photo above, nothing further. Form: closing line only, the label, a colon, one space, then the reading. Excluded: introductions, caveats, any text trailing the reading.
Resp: 10:52
